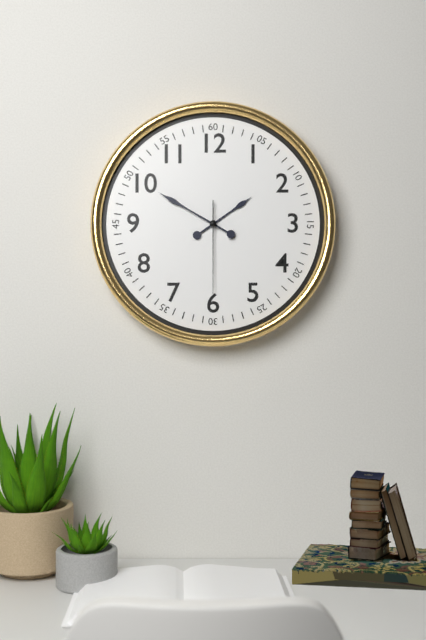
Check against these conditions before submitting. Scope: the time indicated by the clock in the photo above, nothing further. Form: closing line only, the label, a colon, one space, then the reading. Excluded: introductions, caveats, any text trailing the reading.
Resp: 1:50:30
